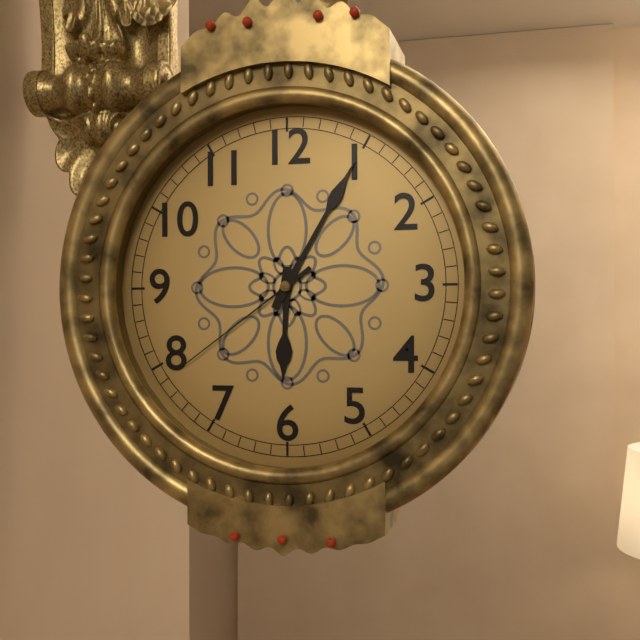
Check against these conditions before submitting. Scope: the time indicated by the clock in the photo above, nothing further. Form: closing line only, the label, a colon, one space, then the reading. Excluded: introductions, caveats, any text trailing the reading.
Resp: 6:05:39
